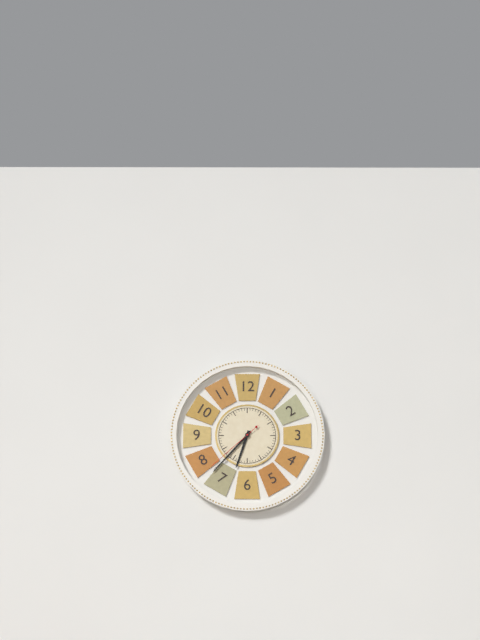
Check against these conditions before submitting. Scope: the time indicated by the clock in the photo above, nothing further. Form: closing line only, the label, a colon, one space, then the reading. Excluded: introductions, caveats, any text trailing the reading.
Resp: 6:37:38
